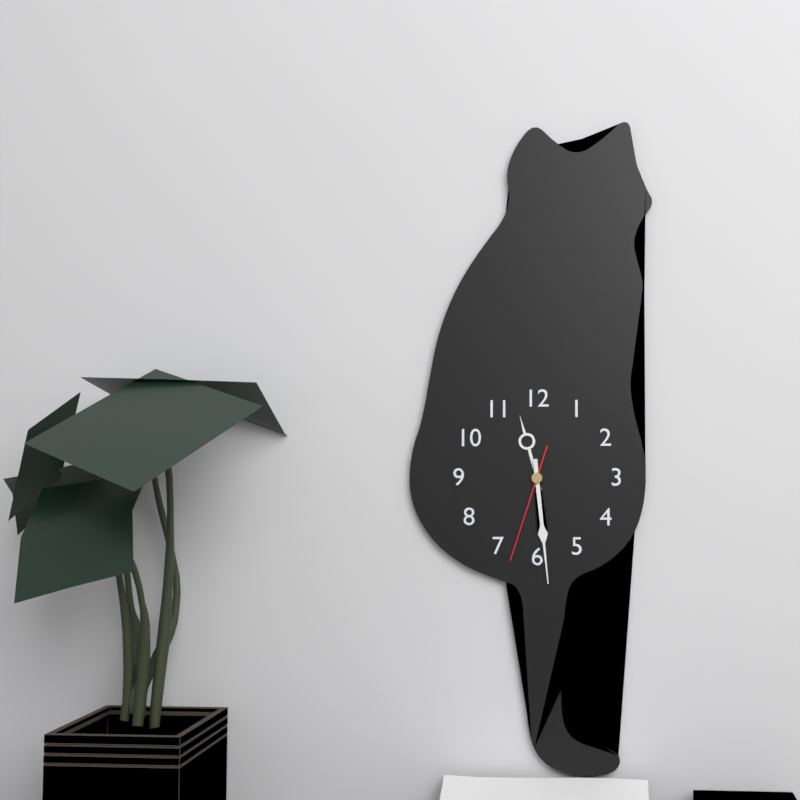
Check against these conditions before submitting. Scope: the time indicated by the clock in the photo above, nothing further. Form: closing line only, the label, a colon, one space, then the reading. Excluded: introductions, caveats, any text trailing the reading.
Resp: 11:29:33
